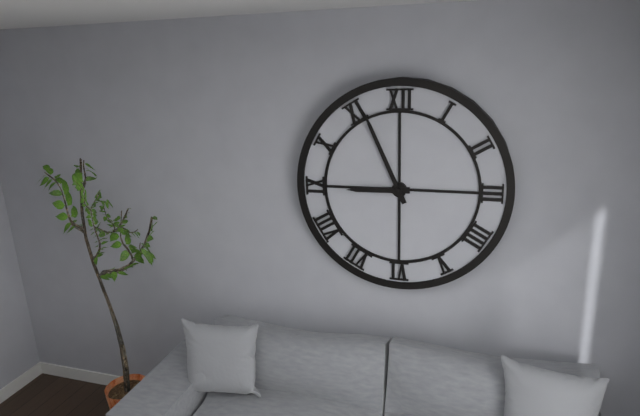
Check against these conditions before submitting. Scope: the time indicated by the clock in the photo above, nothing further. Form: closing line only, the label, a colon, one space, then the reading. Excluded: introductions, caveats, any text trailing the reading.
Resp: 8:56
